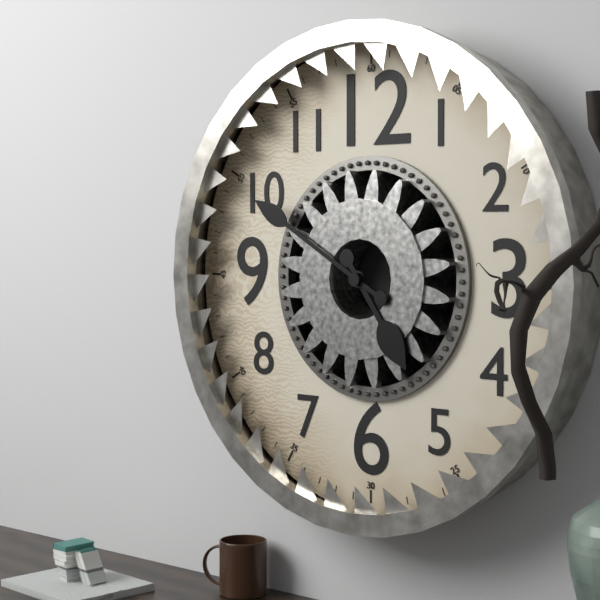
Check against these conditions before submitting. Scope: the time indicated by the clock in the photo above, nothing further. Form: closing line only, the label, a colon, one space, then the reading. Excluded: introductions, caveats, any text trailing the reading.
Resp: 4:50
